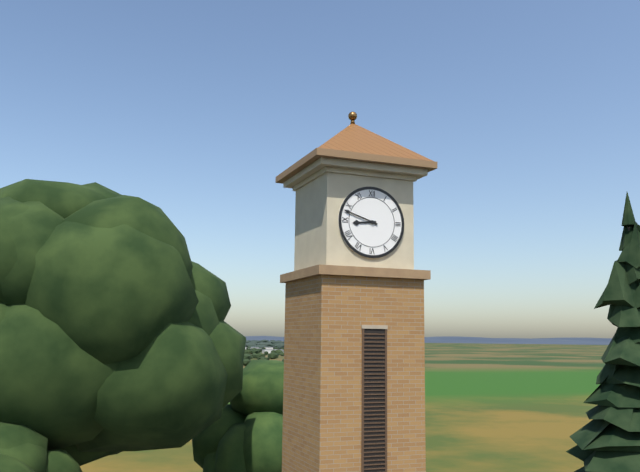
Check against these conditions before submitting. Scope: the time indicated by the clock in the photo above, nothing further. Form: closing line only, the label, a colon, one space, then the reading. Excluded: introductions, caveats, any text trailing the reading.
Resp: 8:48
